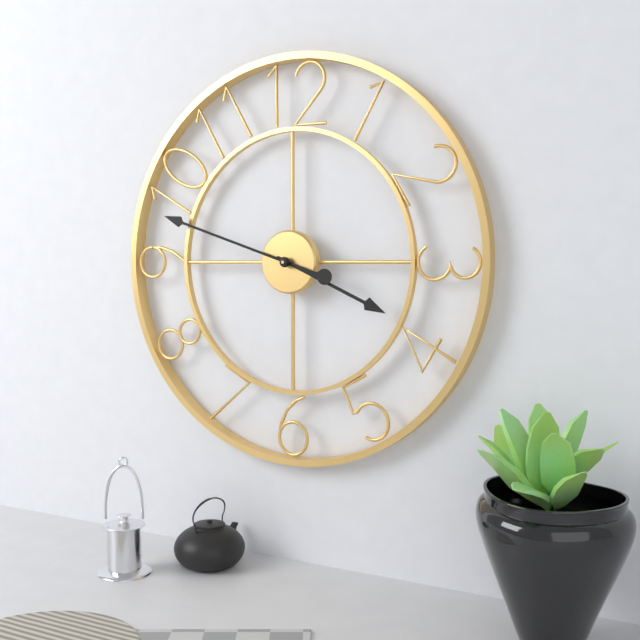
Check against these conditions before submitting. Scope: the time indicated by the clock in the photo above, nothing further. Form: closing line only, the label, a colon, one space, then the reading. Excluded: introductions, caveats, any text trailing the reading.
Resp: 3:48
